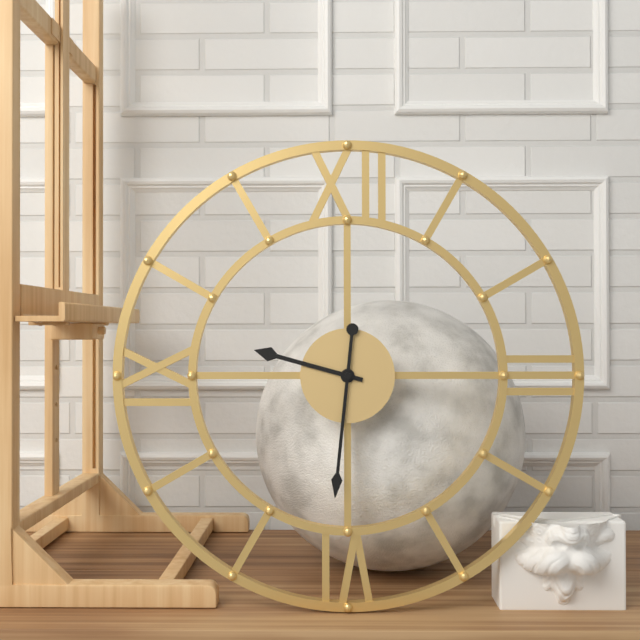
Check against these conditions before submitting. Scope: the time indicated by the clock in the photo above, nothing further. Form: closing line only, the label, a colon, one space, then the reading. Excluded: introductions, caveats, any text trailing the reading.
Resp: 9:31
